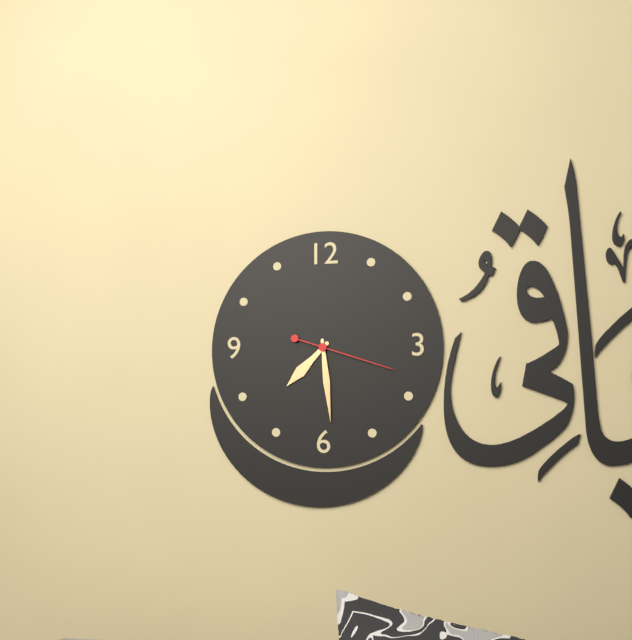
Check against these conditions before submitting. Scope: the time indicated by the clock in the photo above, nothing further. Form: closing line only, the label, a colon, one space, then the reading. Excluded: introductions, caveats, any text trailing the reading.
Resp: 7:29:18
